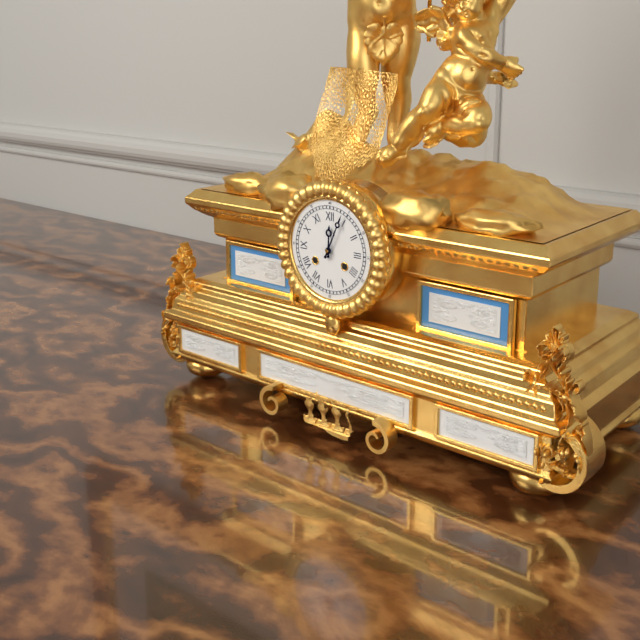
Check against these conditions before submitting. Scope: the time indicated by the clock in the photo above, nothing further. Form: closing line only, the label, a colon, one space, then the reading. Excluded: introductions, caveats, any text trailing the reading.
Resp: 12:04
